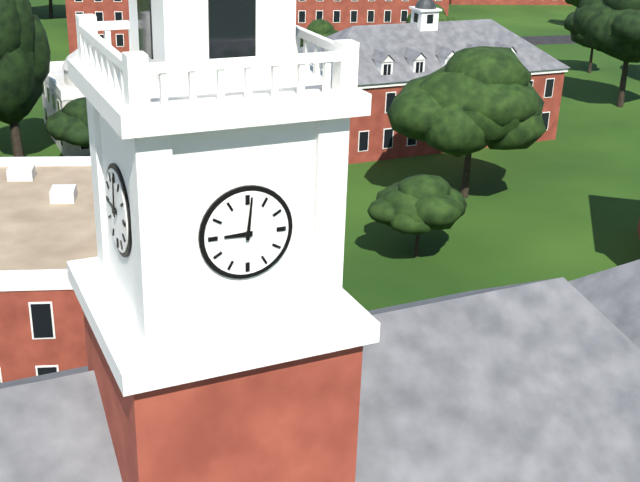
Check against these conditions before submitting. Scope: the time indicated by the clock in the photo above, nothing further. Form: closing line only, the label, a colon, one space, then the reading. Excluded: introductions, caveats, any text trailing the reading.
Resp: 9:01
